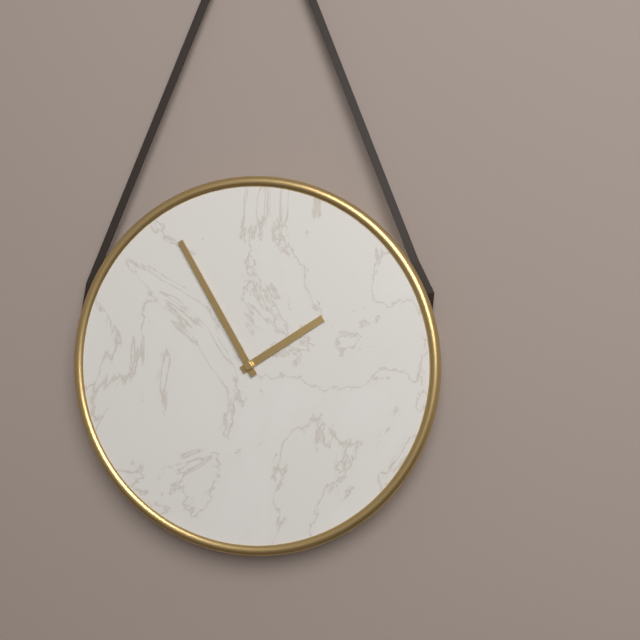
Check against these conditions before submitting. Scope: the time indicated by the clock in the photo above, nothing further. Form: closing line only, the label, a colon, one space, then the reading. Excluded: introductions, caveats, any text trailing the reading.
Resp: 1:55
